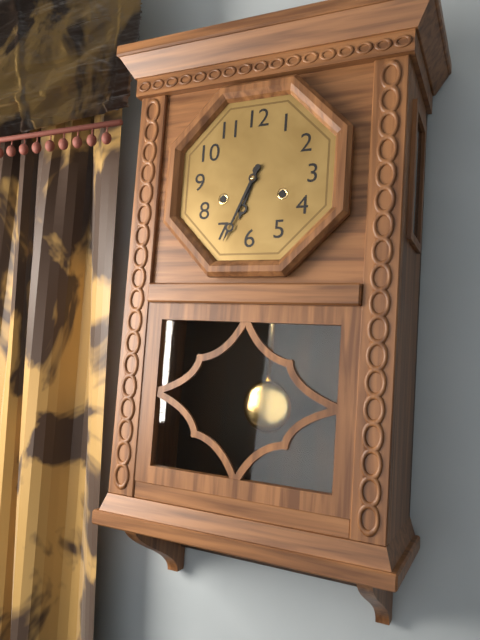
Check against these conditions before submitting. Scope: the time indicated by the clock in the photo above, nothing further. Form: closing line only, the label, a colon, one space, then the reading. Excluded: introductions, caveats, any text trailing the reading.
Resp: 6:34
